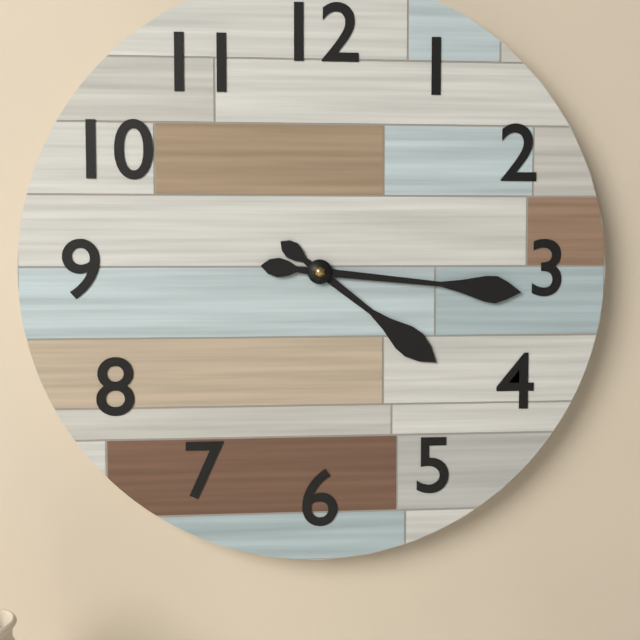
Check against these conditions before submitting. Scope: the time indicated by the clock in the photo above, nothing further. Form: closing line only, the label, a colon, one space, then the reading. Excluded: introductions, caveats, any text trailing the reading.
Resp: 4:16
